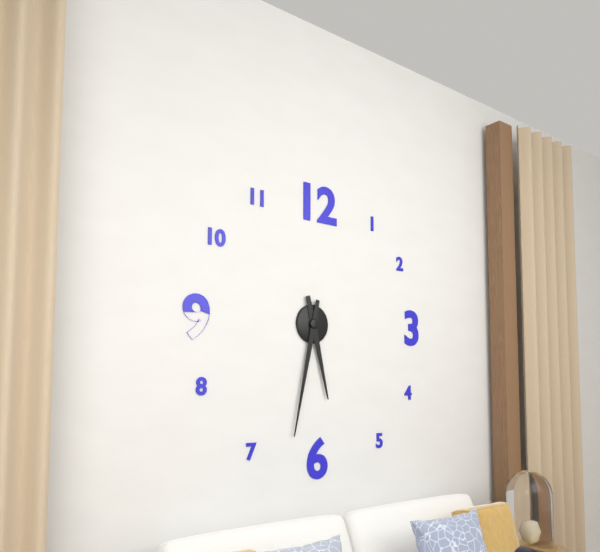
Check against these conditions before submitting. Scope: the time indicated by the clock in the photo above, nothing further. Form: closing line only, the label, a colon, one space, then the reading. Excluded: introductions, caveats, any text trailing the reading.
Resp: 5:32
